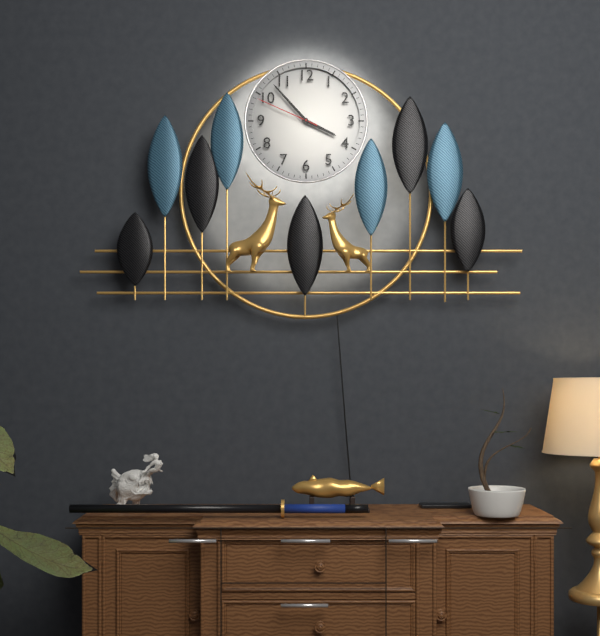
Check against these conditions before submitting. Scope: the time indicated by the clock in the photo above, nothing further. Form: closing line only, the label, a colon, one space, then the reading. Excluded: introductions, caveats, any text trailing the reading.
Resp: 3:53:49
